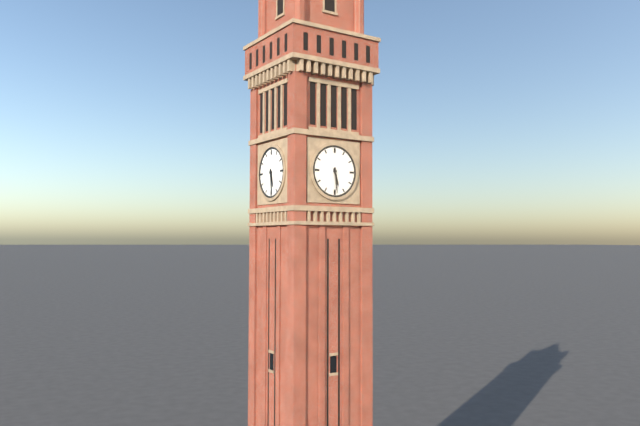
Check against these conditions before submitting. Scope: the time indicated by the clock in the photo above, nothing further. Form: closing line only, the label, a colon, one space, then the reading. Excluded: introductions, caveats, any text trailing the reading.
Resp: 5:29
